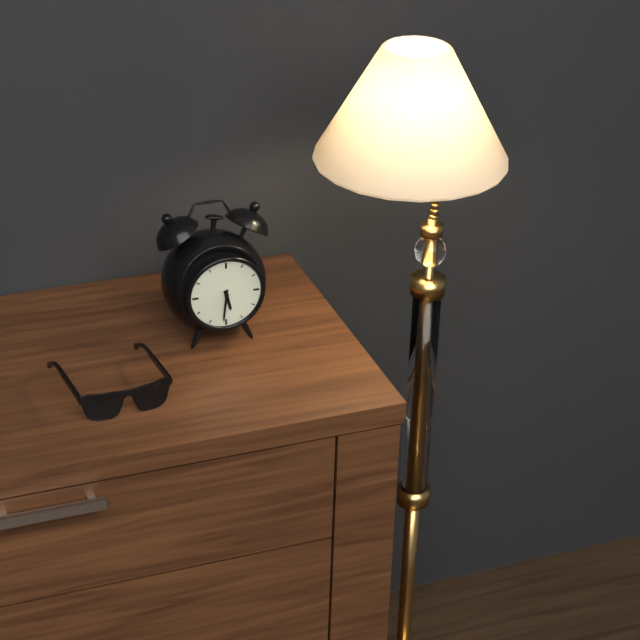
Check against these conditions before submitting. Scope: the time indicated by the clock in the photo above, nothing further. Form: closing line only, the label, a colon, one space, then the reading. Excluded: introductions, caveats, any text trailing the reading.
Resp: 5:31
